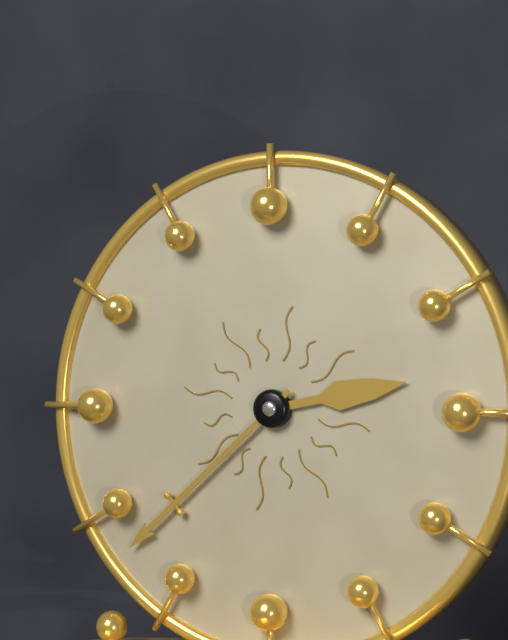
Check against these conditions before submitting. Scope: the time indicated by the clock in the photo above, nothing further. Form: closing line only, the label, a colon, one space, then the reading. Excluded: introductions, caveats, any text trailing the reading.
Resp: 2:38
